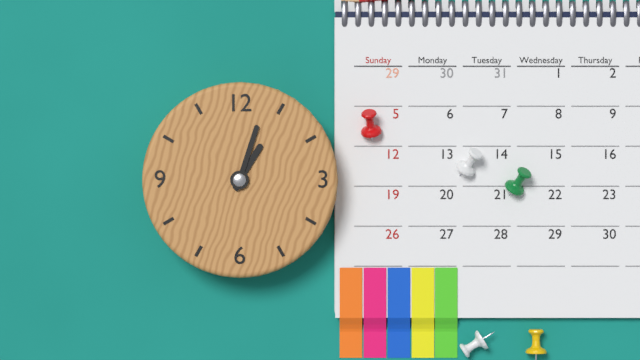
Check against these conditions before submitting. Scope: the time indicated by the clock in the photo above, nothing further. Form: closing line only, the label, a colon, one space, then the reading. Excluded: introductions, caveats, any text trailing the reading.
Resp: 1:03
